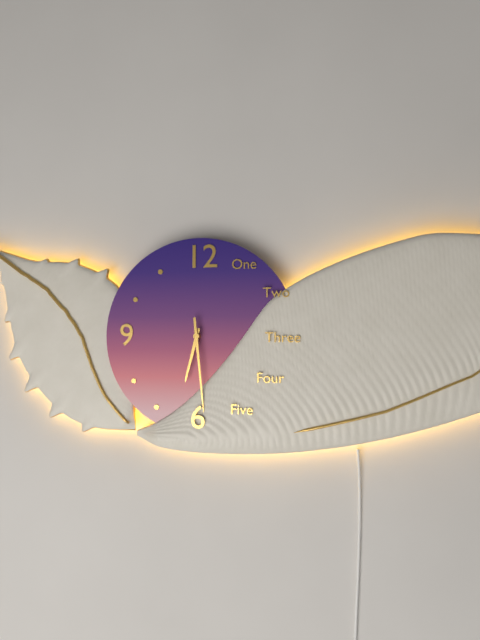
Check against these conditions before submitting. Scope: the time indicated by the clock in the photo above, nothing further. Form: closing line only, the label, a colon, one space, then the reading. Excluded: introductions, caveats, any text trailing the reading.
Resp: 6:29
